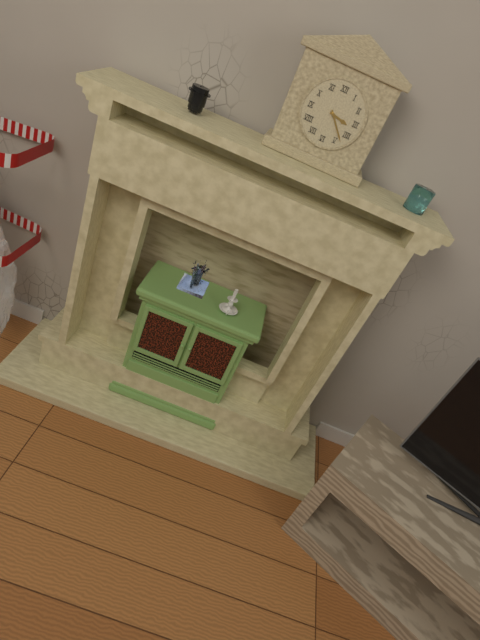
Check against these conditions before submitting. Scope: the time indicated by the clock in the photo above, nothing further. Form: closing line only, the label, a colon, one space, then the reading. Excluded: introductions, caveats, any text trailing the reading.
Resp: 3:23
